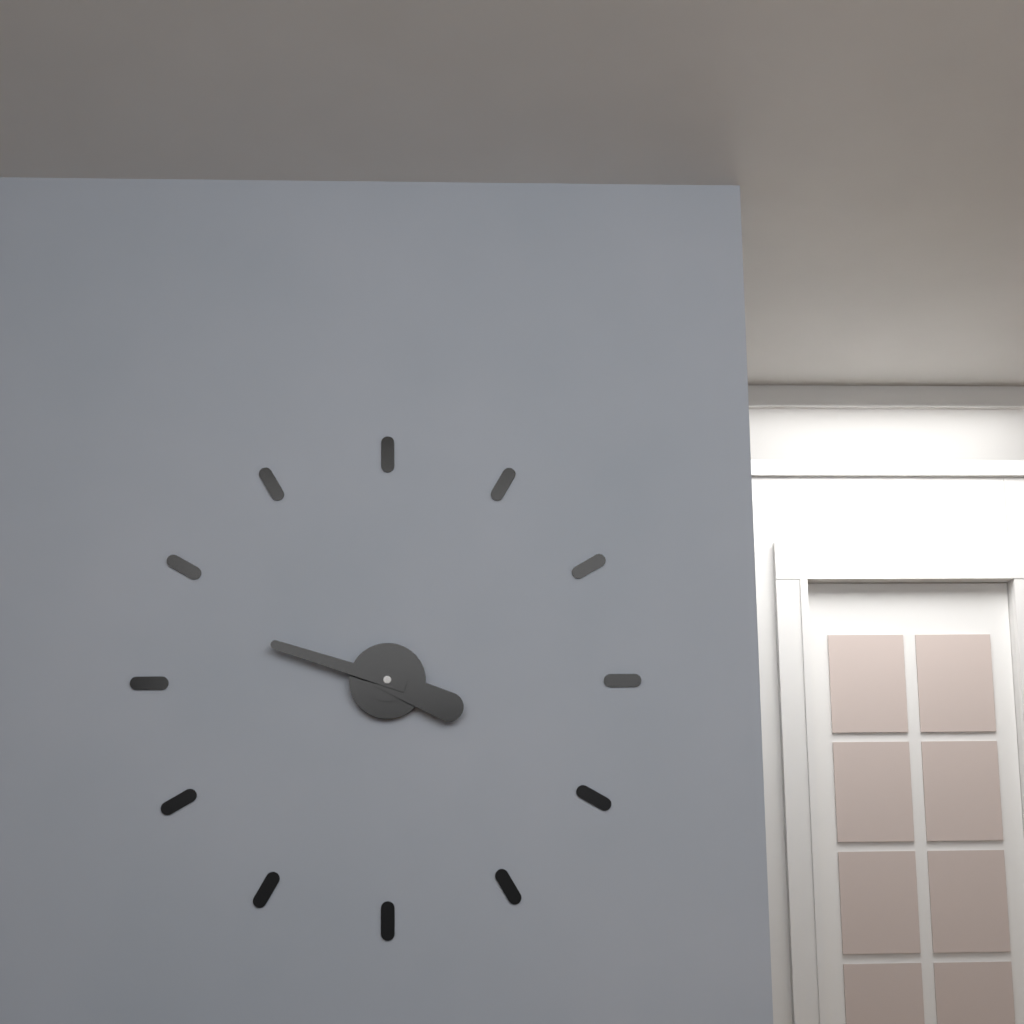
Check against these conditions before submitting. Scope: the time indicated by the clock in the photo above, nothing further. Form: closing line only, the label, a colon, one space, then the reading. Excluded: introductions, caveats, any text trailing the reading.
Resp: 3:48
